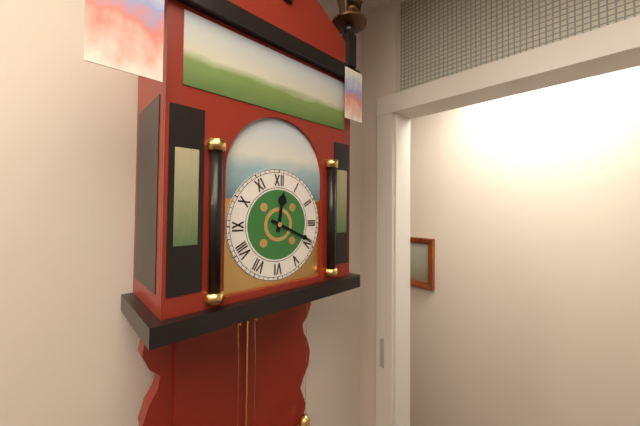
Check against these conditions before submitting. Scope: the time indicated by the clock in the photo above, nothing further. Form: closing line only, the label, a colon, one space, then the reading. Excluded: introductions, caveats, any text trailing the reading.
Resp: 12:19
